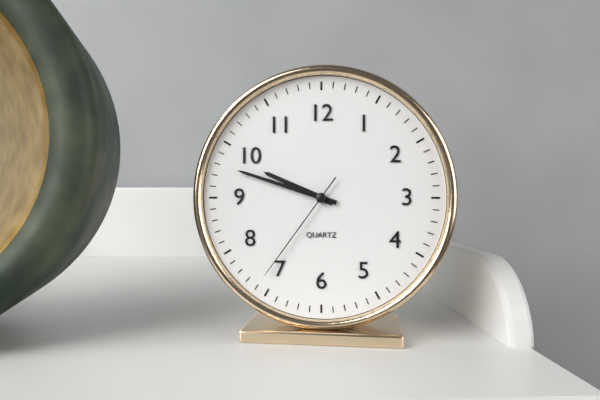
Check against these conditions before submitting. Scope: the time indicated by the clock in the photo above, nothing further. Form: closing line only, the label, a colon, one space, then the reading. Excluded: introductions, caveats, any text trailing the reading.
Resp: 9:48:36
